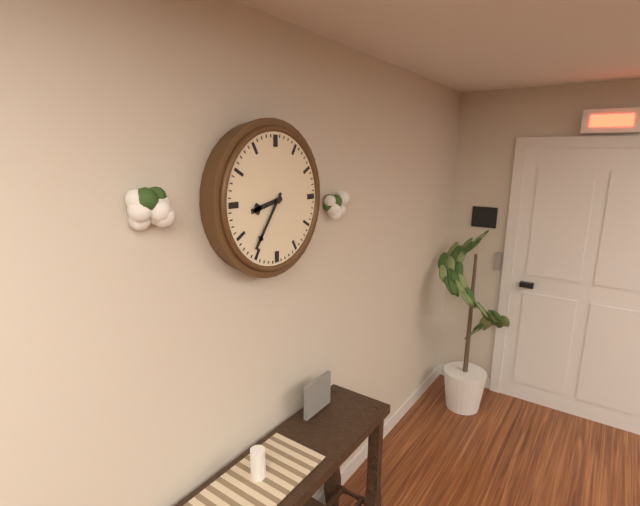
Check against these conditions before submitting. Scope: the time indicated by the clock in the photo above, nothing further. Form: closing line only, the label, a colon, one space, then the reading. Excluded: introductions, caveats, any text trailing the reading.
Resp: 8:36
